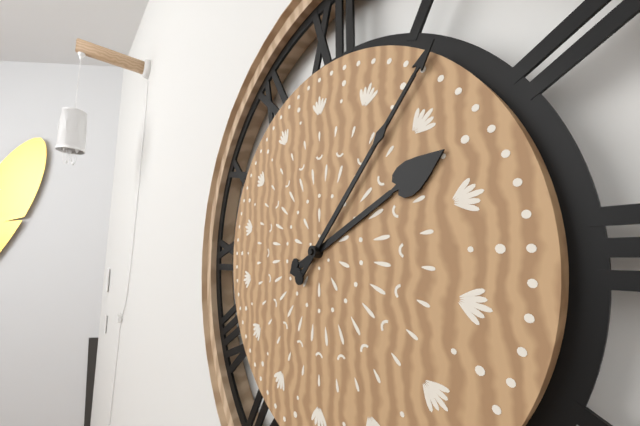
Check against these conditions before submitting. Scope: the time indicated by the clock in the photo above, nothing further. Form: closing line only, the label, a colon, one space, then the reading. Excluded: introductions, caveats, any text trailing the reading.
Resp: 2:07
